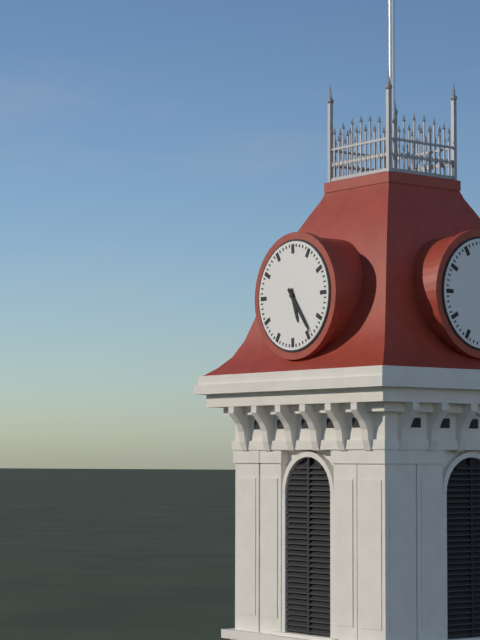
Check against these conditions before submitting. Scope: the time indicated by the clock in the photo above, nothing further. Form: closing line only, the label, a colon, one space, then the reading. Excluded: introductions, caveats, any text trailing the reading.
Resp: 5:24
